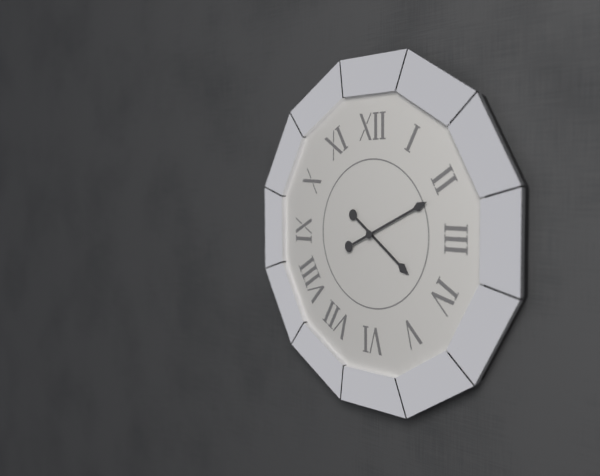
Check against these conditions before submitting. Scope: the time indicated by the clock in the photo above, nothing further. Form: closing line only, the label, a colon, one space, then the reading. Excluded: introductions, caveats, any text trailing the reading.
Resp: 4:11
